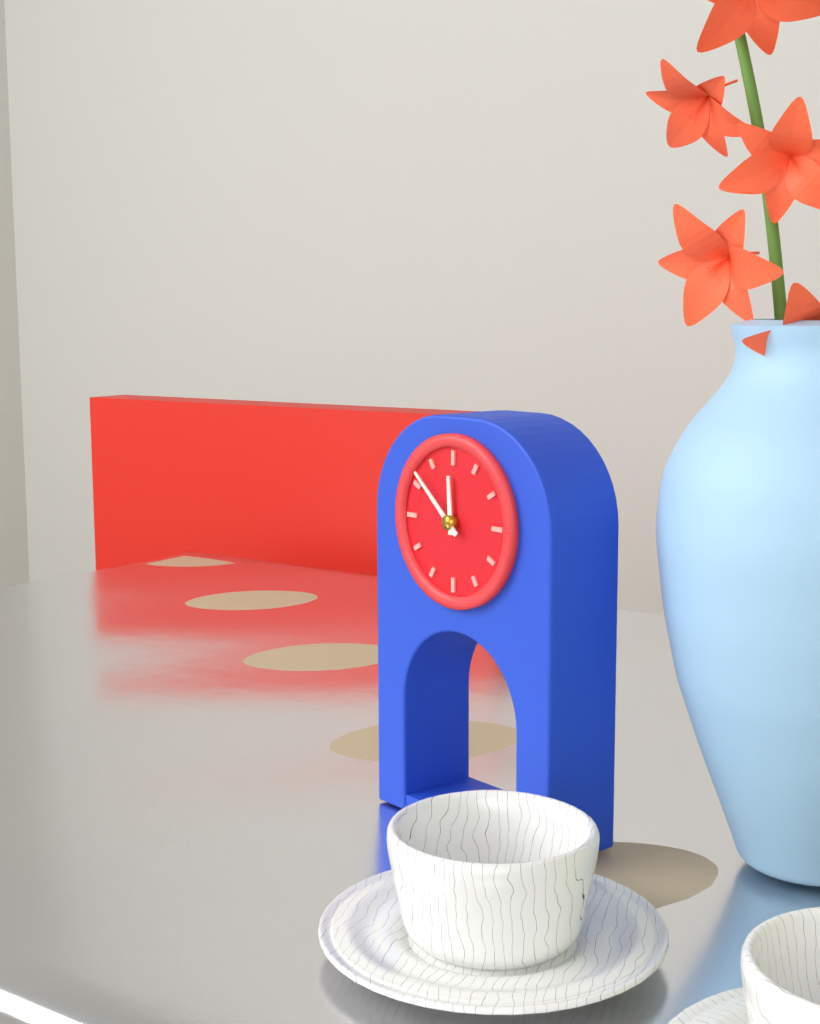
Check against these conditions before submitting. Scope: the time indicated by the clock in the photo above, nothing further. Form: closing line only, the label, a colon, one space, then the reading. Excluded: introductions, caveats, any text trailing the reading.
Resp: 11:52
